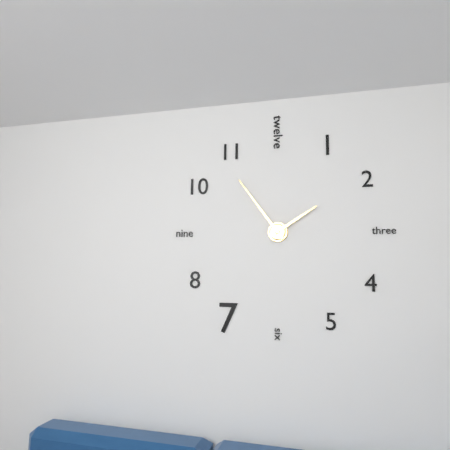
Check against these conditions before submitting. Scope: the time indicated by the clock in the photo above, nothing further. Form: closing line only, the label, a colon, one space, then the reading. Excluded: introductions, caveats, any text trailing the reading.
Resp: 1:54
